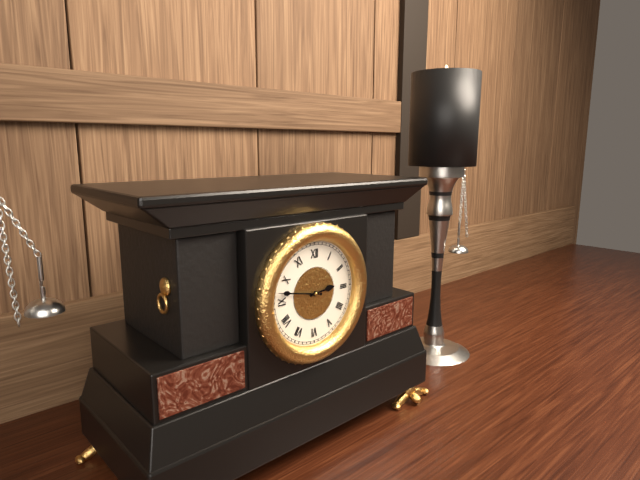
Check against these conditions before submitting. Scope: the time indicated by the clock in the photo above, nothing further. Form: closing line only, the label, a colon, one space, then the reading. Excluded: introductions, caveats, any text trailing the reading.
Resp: 2:47
